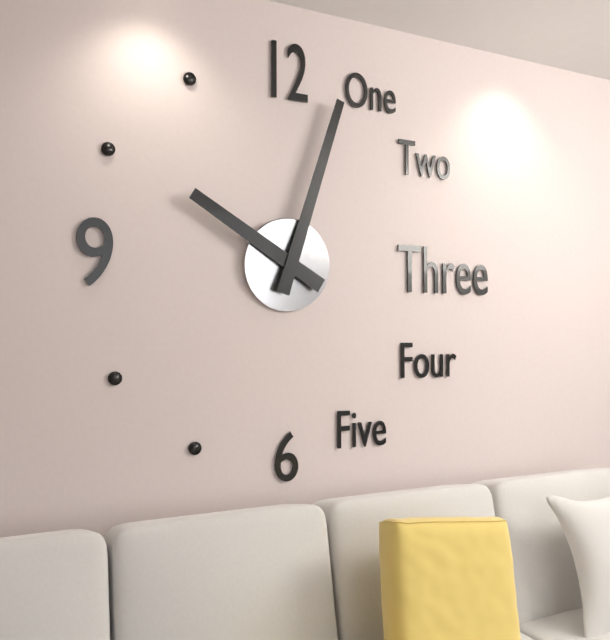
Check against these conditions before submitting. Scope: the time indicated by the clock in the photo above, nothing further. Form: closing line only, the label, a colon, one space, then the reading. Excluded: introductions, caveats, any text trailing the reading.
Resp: 10:03
